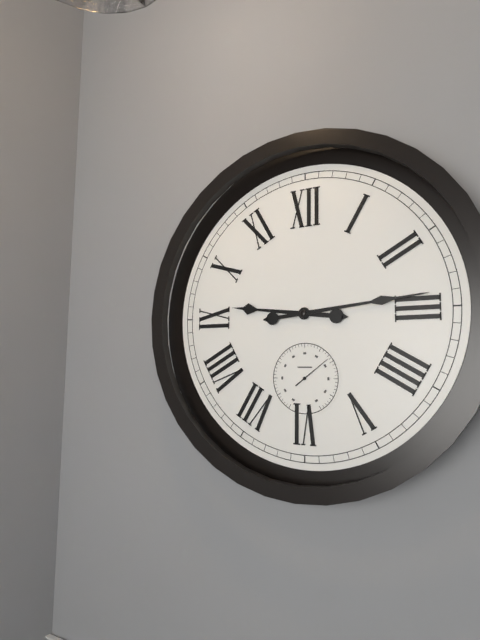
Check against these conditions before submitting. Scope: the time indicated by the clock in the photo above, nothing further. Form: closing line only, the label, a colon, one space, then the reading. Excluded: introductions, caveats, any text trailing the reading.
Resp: 9:14
